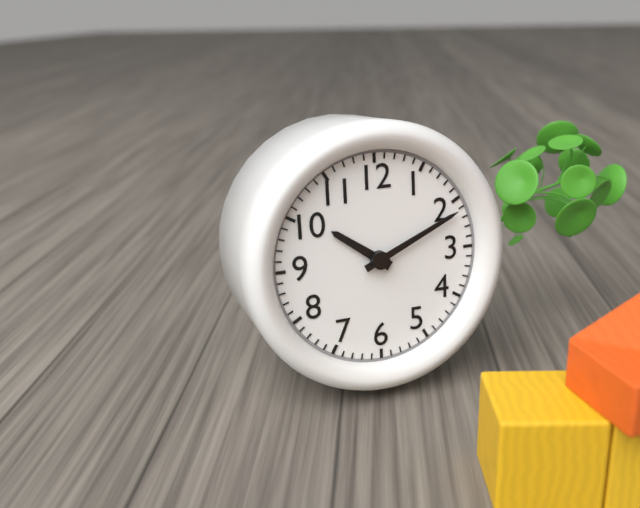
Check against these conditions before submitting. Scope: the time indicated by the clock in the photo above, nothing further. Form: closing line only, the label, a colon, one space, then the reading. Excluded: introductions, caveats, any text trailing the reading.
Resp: 10:11
